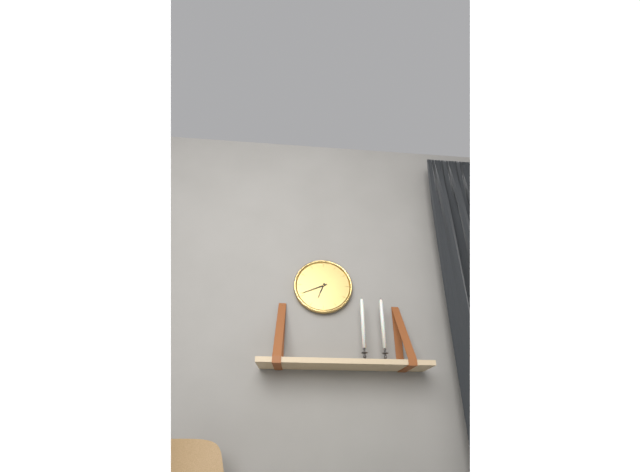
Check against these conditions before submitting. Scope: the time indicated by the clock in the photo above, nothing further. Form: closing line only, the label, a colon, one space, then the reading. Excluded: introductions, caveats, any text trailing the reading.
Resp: 6:41
